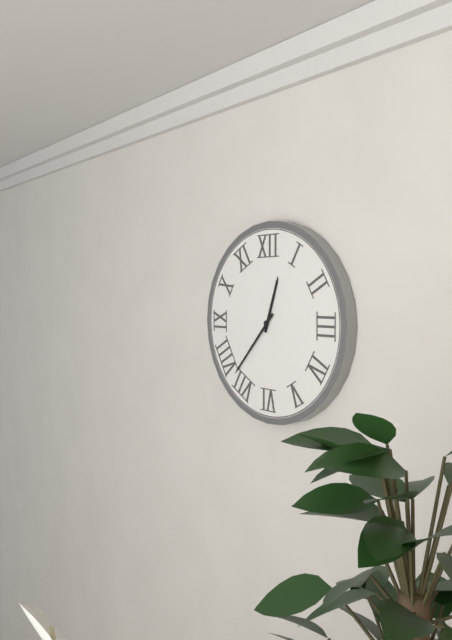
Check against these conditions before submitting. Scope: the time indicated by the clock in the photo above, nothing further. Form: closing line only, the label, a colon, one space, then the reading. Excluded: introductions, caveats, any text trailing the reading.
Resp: 12:37
